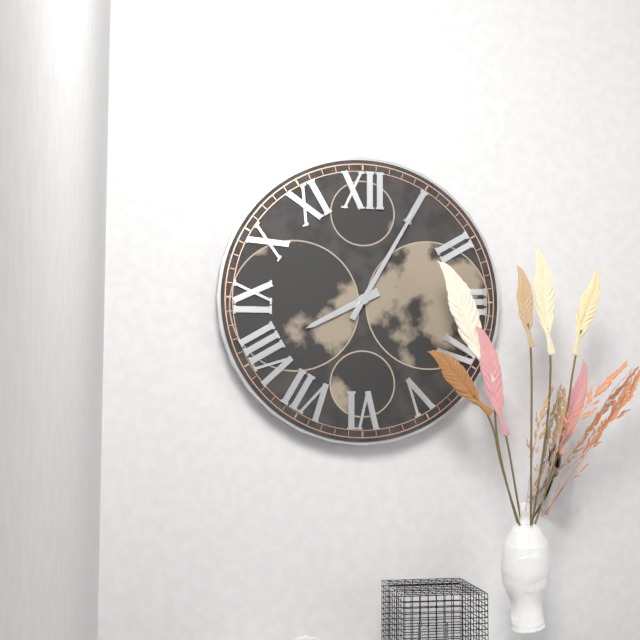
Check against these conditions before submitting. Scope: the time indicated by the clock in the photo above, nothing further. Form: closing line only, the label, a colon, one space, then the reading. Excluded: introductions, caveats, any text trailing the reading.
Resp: 8:05
